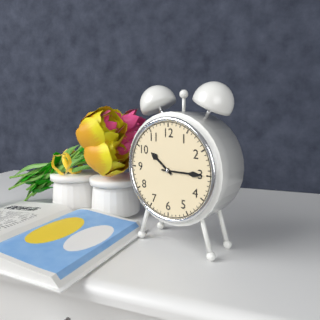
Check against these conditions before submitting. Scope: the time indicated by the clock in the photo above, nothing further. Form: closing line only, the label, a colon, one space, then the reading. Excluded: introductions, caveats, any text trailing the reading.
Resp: 10:15
